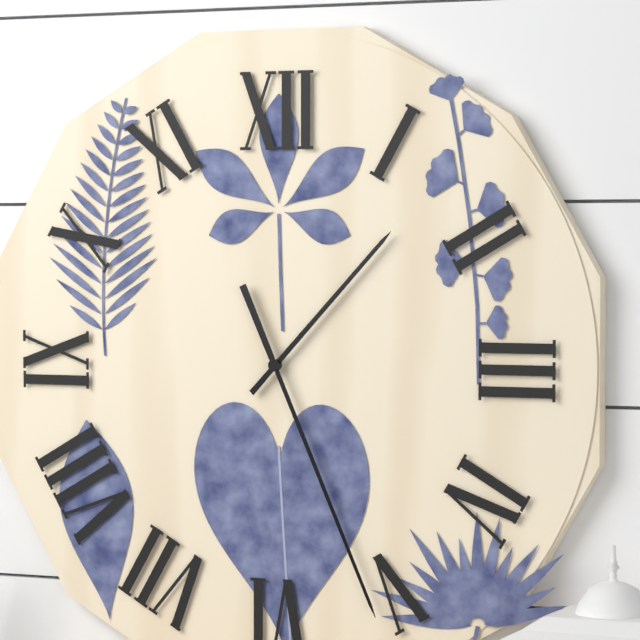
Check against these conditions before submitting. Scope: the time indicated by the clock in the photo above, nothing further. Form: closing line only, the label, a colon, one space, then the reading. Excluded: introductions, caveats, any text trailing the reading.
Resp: 1:26
